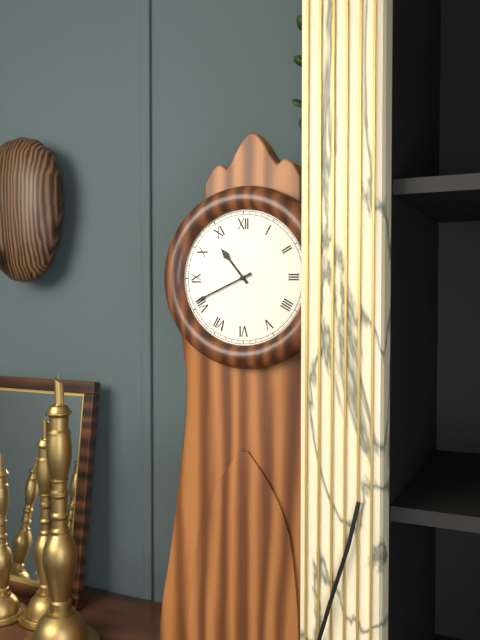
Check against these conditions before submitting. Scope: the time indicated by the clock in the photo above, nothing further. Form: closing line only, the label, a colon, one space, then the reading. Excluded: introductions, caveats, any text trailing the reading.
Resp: 10:41
